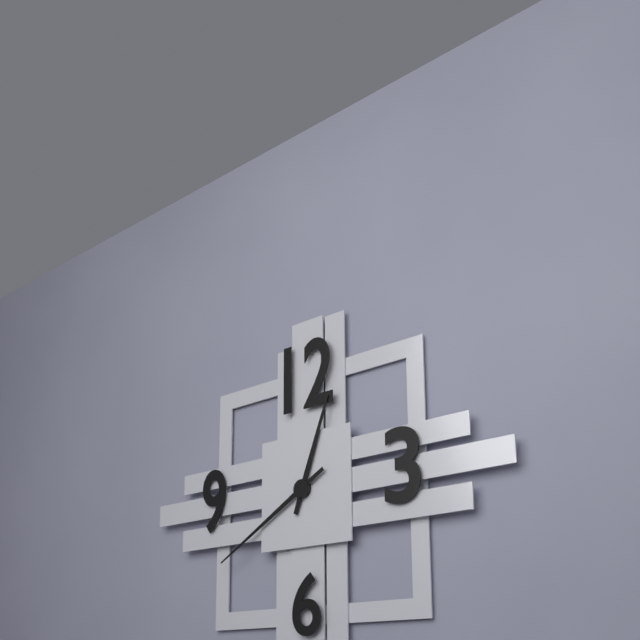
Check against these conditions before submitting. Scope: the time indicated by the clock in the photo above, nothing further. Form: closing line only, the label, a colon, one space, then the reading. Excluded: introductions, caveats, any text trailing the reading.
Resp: 12:40
